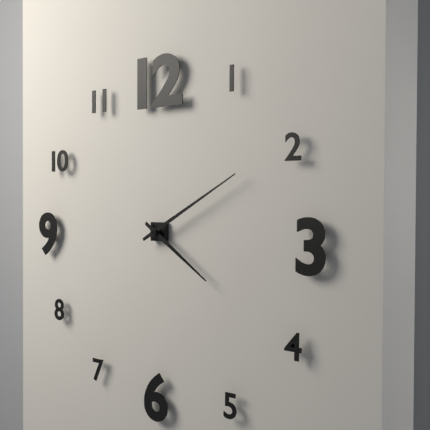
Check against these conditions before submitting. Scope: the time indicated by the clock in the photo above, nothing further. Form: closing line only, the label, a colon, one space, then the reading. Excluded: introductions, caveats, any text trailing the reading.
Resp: 4:10
